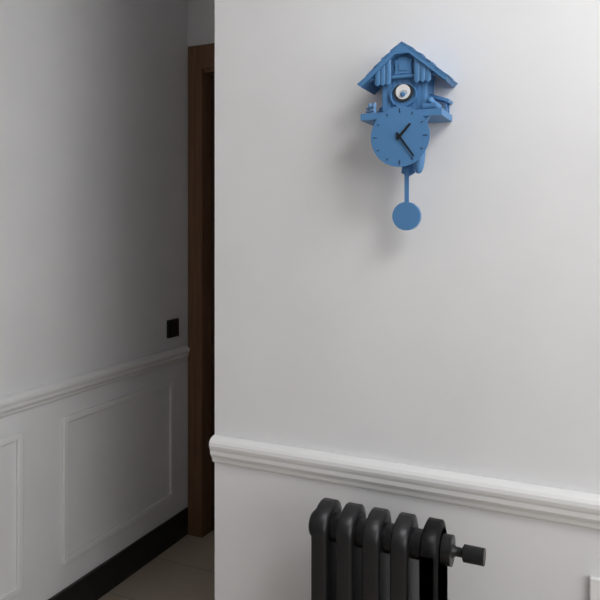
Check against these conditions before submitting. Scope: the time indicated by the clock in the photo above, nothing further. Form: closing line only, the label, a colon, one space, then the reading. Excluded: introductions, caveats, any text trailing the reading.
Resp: 1:24
